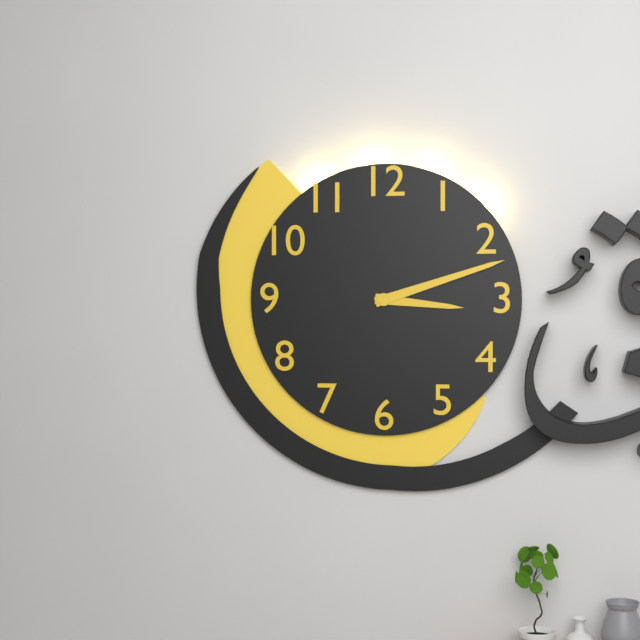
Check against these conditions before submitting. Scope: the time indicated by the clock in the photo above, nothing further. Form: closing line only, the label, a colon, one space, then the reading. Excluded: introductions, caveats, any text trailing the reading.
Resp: 3:12
